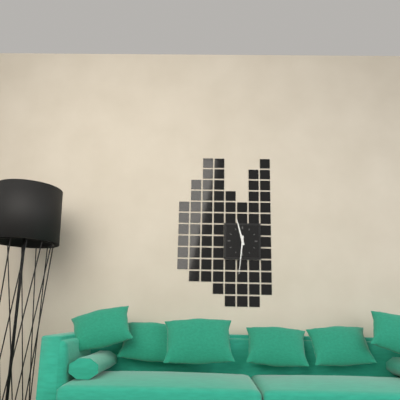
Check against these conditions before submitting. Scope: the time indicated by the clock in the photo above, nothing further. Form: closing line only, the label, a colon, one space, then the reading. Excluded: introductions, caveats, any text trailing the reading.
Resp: 11:31
